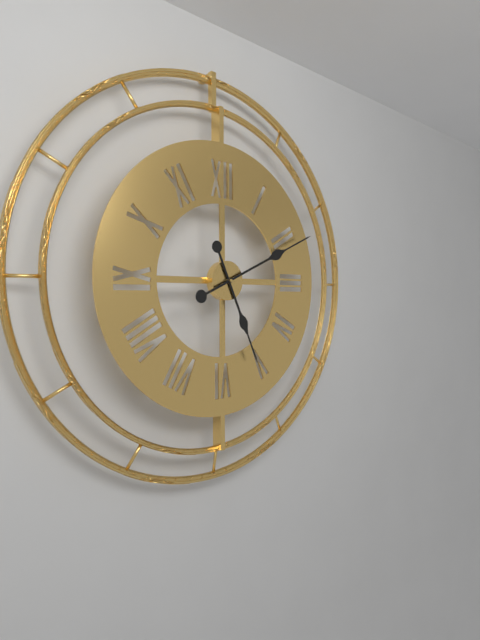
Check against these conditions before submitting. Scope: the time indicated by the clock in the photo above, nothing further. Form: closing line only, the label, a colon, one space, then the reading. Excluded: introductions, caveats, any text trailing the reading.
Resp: 5:11
